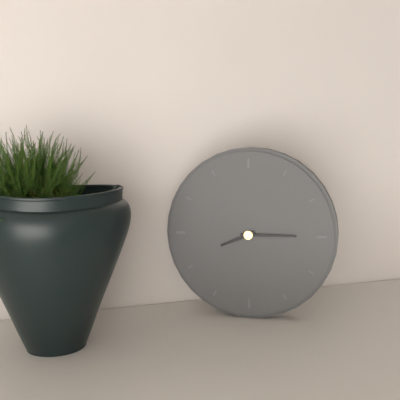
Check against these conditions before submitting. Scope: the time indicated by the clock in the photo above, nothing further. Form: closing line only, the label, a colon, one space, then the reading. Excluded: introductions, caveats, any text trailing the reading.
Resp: 8:15
